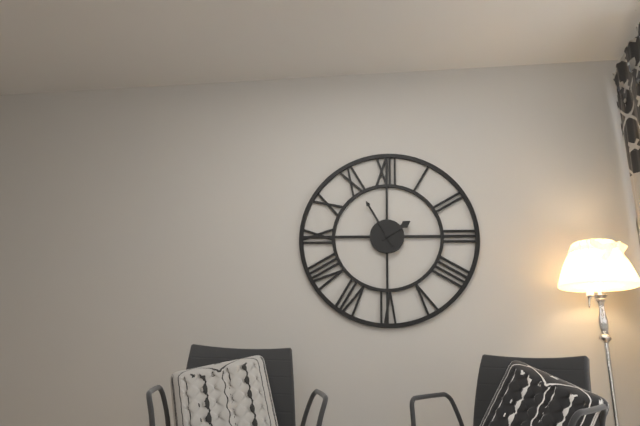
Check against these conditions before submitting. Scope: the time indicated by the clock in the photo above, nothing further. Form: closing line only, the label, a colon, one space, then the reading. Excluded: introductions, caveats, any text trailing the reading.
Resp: 1:55
